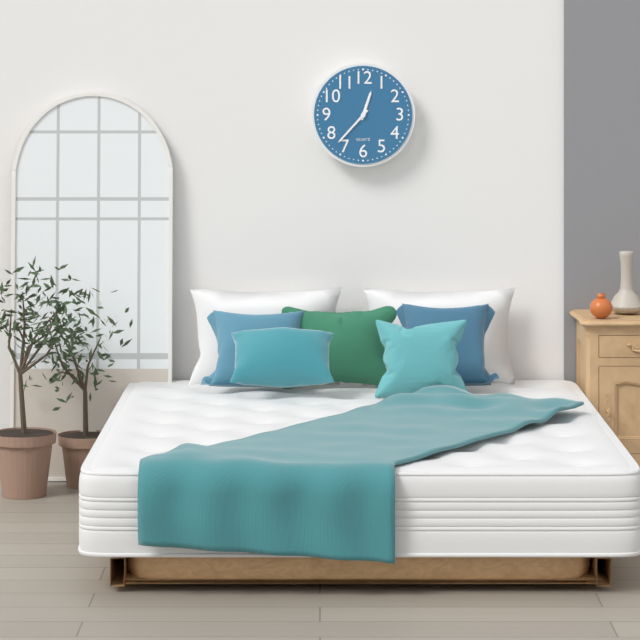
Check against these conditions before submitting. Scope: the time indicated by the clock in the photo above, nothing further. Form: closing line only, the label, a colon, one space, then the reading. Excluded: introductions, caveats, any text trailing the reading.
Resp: 12:37
